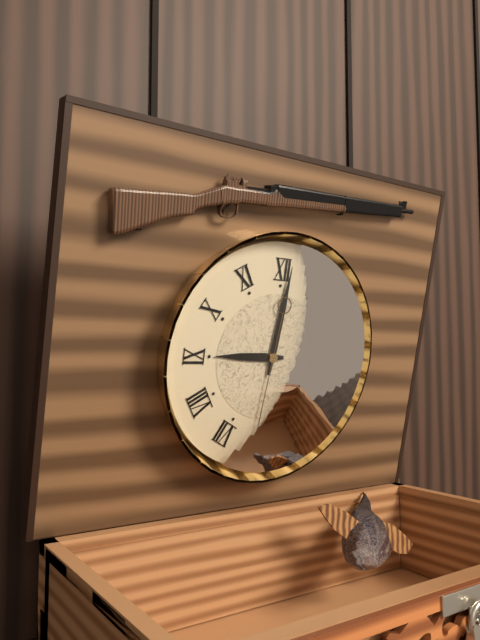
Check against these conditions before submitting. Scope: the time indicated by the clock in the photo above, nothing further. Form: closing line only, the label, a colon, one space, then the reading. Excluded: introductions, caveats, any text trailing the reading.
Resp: 9:01:31
